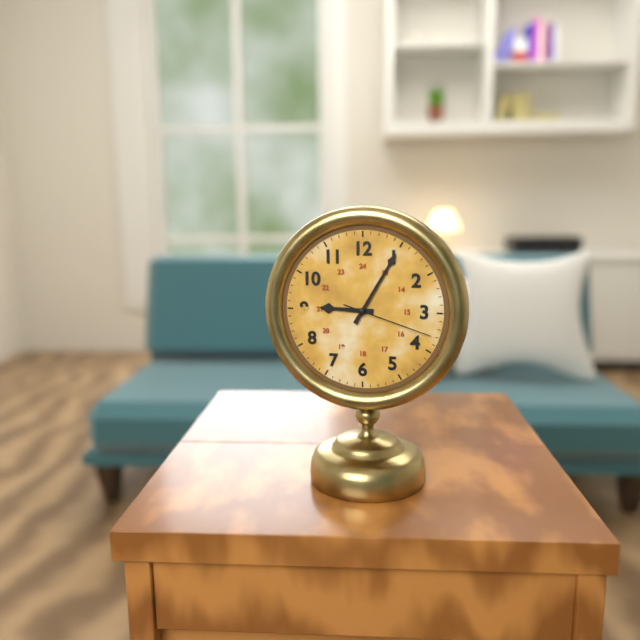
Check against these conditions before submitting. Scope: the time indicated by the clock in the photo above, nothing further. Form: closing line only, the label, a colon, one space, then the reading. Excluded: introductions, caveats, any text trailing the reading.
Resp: 9:05:18
